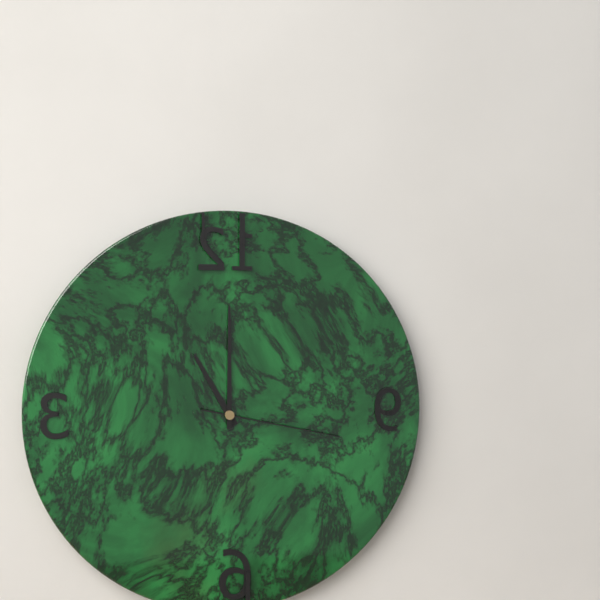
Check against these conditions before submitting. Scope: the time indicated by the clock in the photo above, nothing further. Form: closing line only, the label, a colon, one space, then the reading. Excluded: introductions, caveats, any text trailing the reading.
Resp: 11:00:17
